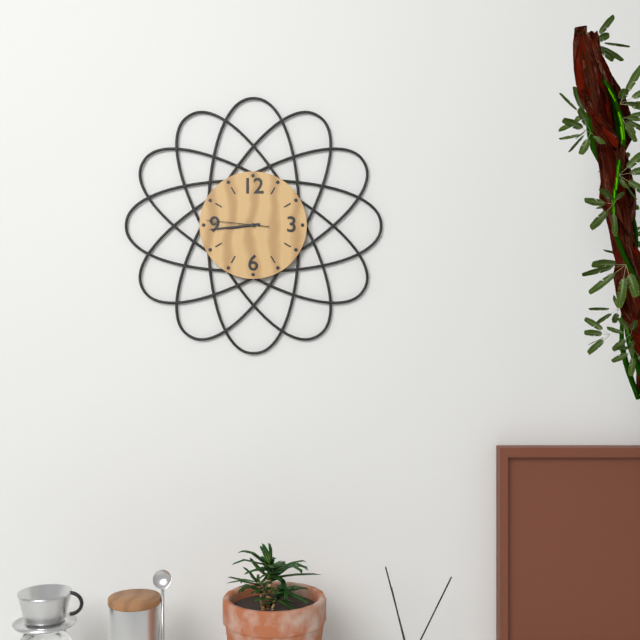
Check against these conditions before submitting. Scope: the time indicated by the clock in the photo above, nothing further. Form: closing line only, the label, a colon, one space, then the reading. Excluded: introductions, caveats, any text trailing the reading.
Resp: 8:44:46
